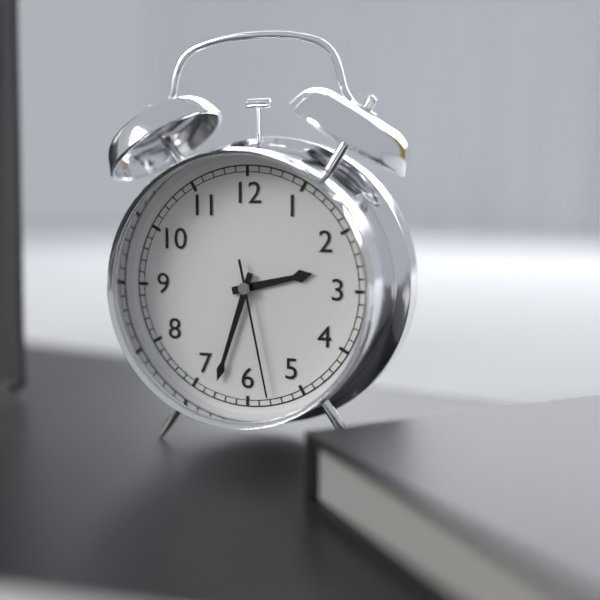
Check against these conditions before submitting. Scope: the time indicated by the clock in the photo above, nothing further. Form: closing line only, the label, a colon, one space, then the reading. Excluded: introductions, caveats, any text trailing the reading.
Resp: 2:33:28
